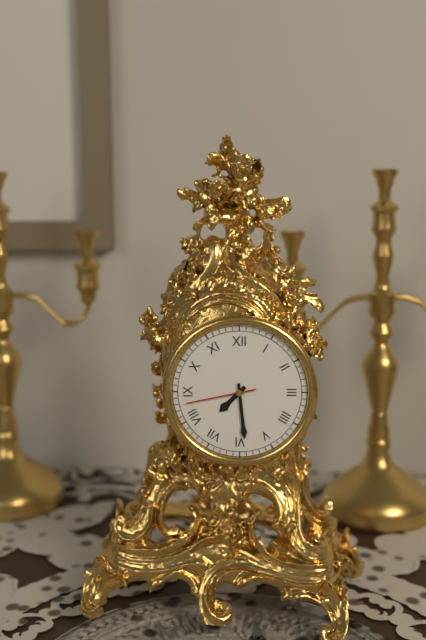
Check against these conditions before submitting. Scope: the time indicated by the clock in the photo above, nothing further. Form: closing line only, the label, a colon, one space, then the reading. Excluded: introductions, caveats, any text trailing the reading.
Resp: 7:29:43
